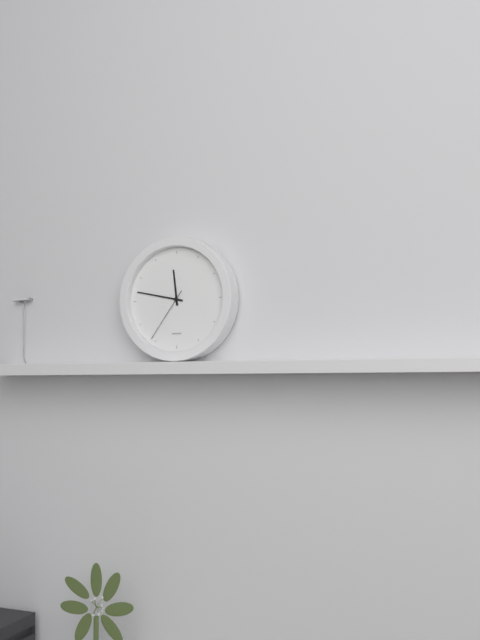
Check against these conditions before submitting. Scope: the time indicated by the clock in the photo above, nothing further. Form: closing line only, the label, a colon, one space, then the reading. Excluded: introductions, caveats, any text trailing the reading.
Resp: 11:47:36
